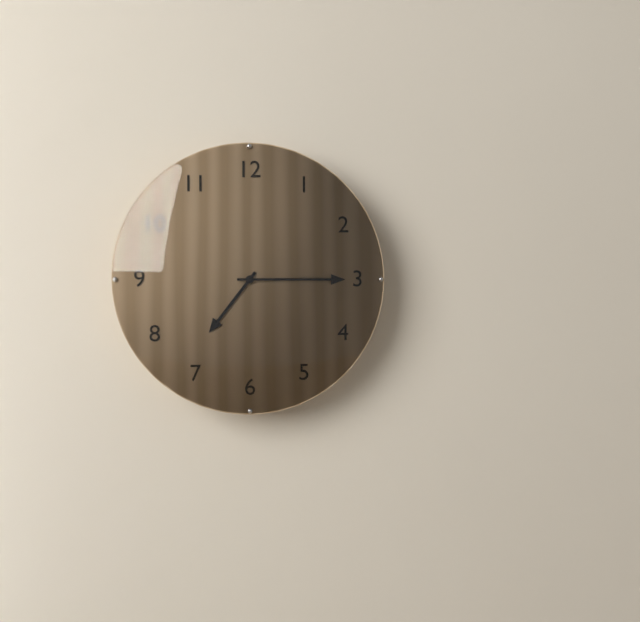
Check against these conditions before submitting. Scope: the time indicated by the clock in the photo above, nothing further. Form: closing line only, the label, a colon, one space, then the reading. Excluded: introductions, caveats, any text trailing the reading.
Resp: 7:15
